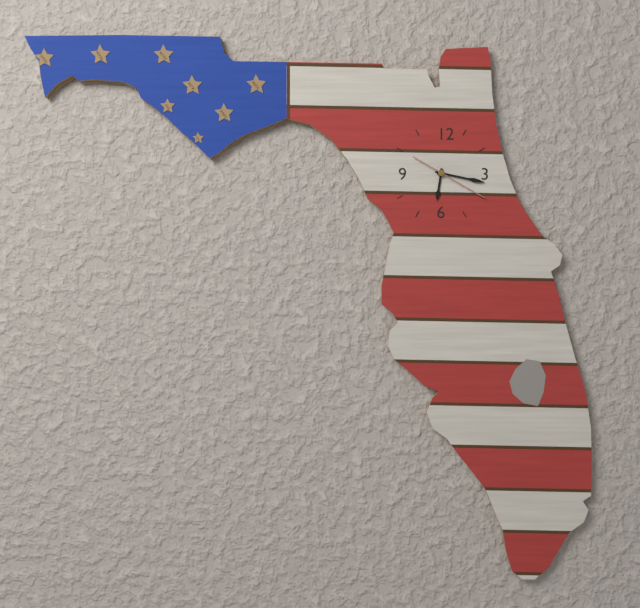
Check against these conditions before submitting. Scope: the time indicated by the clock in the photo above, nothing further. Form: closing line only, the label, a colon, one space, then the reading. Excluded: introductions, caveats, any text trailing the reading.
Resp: 6:17:20
